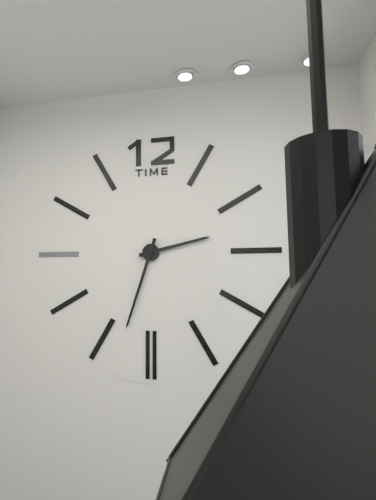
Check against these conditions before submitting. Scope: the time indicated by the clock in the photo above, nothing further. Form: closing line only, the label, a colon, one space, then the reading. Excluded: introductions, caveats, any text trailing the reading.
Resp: 2:33
